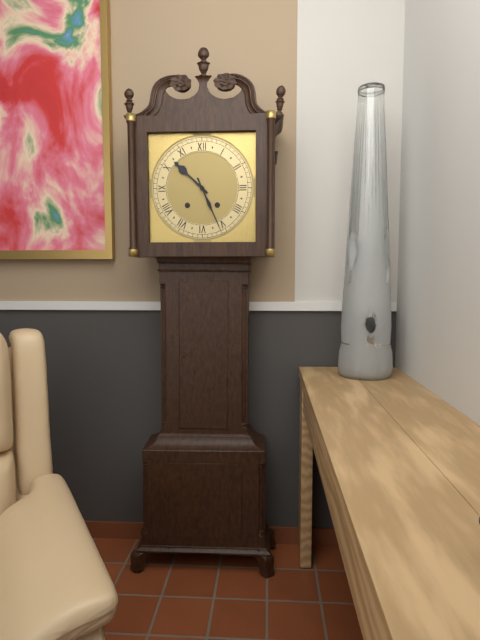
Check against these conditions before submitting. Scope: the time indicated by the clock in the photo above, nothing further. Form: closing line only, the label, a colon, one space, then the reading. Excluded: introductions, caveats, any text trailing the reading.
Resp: 10:26
